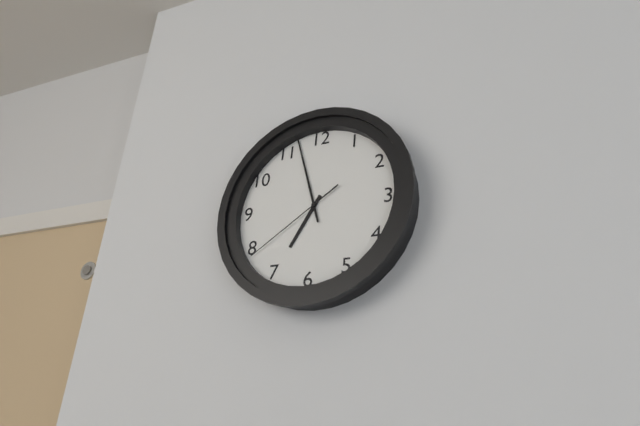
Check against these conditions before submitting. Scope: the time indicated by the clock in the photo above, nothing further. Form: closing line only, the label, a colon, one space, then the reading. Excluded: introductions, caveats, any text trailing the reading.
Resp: 6:57:39
